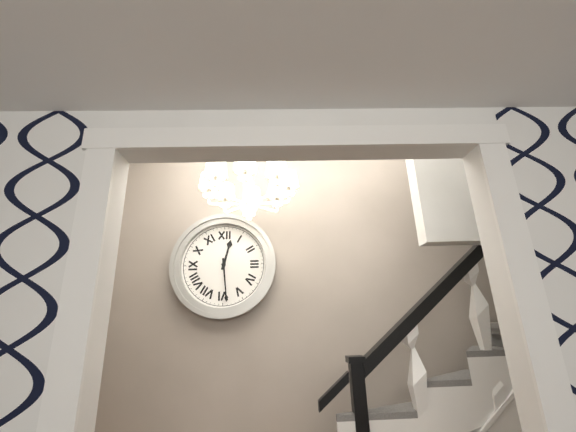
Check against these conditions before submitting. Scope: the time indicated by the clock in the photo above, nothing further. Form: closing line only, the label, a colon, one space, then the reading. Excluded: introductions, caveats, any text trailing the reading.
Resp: 12:29
